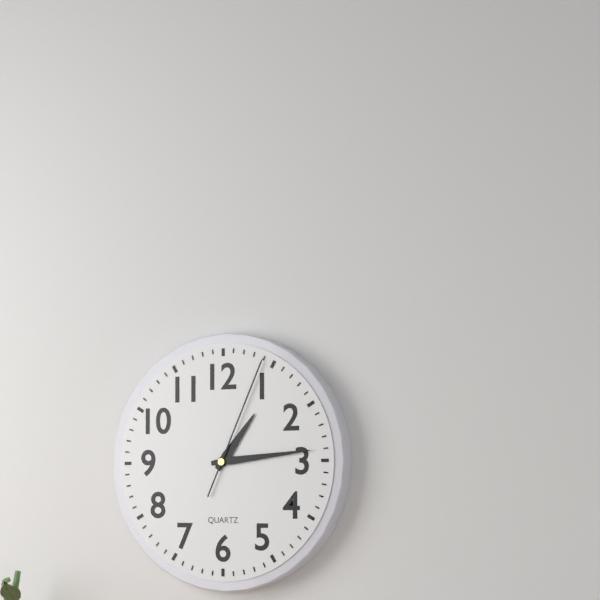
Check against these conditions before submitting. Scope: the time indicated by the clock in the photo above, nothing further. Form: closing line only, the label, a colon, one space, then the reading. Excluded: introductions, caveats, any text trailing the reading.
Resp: 1:14:04
